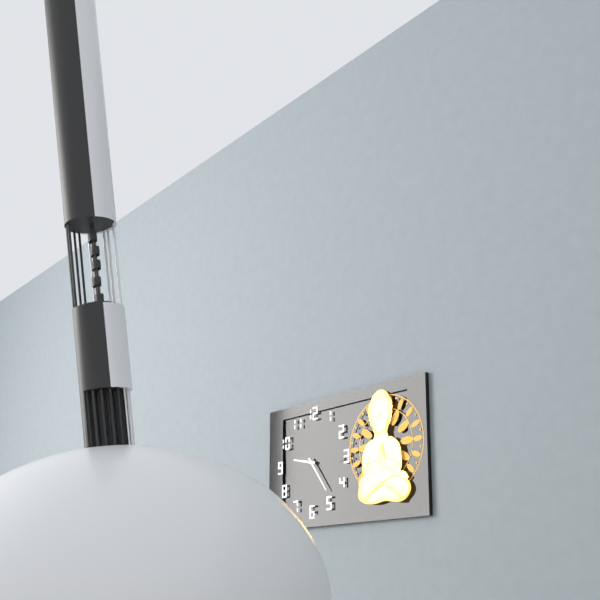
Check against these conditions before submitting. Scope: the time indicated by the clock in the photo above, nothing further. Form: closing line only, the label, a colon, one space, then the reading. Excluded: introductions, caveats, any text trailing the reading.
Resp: 9:24
